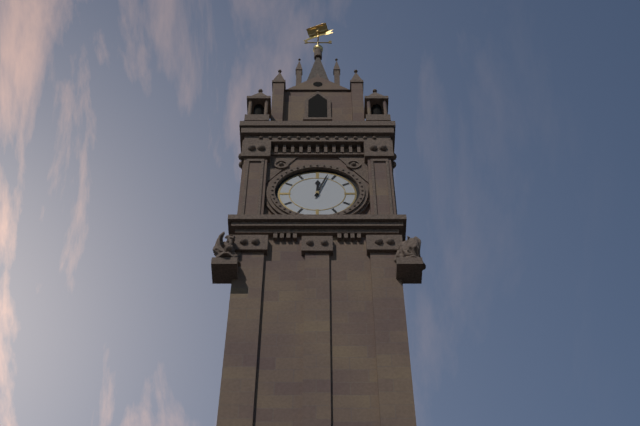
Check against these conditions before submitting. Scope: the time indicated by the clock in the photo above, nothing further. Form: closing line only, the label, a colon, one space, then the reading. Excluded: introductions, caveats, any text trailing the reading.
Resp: 12:03
